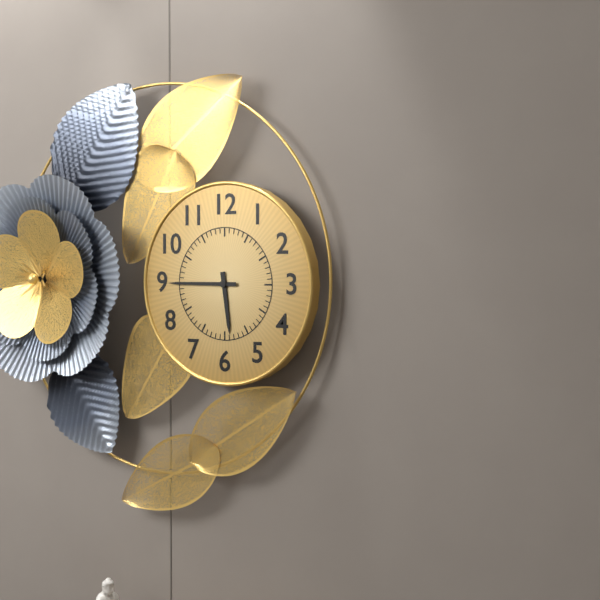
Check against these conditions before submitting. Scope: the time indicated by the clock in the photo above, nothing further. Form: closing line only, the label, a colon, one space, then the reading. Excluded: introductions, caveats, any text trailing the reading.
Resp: 5:45
